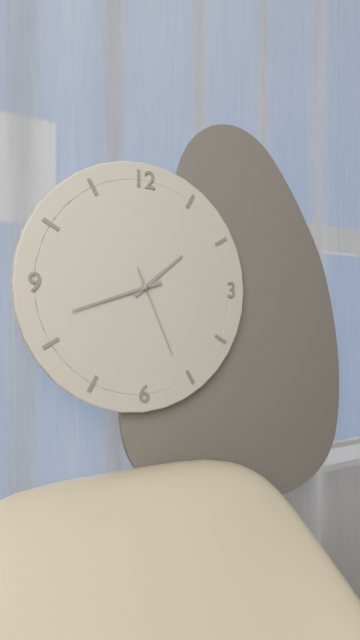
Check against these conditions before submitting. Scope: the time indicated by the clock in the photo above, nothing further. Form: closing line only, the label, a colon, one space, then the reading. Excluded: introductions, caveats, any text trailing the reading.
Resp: 1:42:26
